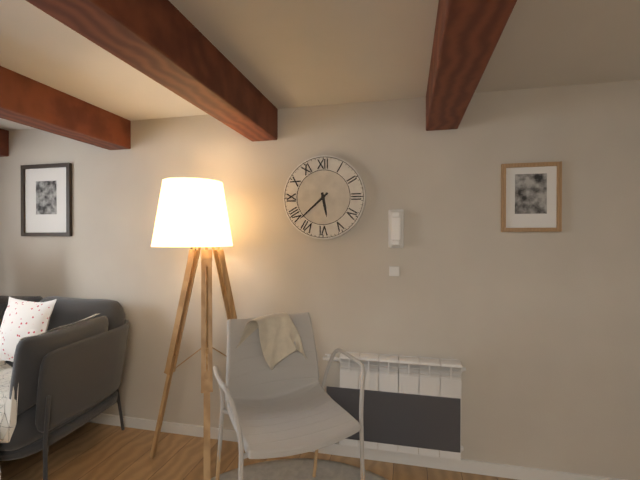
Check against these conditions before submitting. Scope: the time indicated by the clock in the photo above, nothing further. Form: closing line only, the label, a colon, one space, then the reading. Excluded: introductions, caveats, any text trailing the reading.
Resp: 5:38
